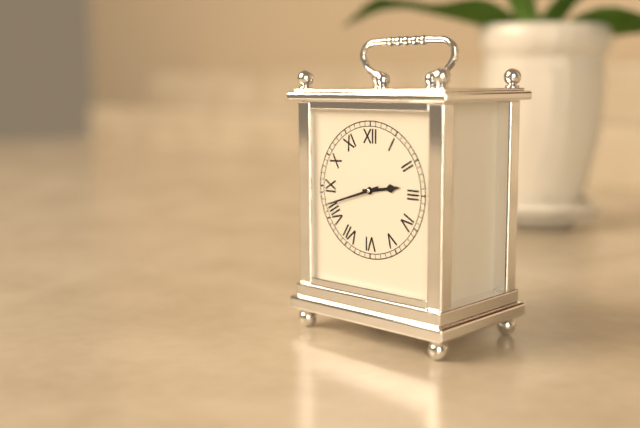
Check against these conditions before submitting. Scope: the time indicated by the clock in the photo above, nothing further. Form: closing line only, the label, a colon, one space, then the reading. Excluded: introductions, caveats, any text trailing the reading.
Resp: 2:42
